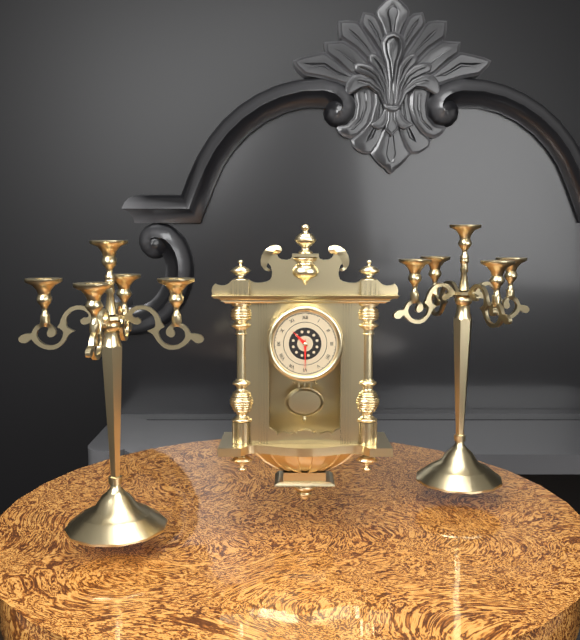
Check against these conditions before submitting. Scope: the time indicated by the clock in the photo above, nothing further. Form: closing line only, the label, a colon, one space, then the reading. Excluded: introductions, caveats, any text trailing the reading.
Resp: 10:30
